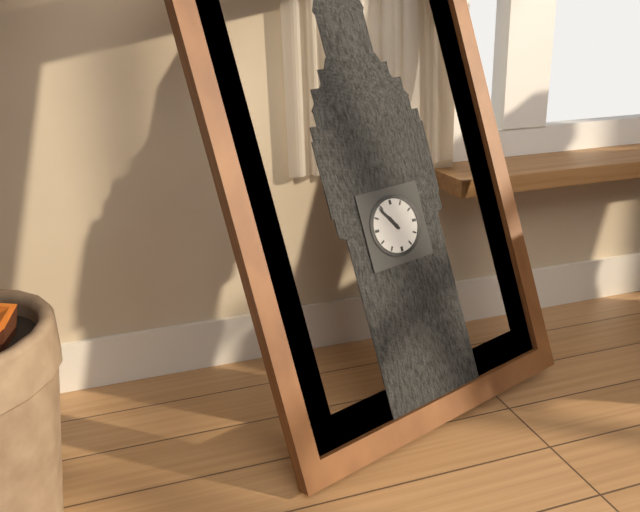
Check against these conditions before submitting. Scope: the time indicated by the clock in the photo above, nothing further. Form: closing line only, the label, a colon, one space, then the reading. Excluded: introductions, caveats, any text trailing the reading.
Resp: 10:54
